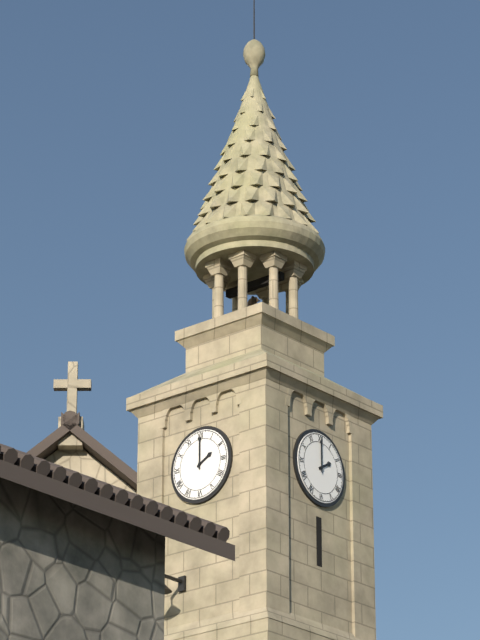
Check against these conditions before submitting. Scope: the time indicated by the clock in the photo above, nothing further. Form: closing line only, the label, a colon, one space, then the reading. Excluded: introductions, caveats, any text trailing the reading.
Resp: 2:00
